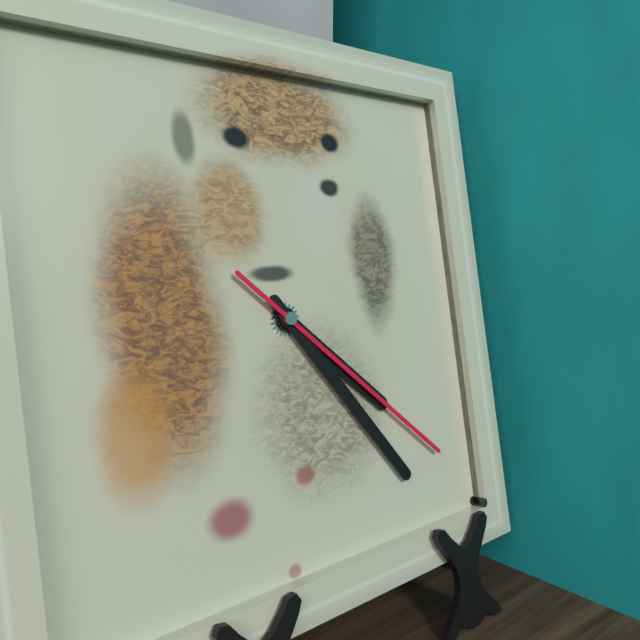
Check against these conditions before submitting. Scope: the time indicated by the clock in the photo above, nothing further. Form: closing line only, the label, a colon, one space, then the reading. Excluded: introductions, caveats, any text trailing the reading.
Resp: 4:24:22
